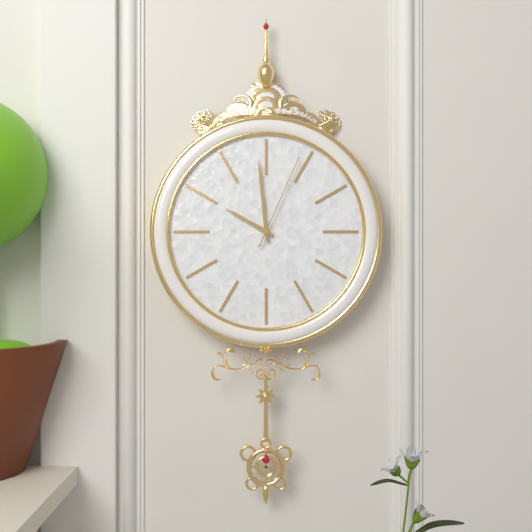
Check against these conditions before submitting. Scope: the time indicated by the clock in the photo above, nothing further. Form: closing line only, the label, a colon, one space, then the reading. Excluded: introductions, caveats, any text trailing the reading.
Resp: 9:59:04
